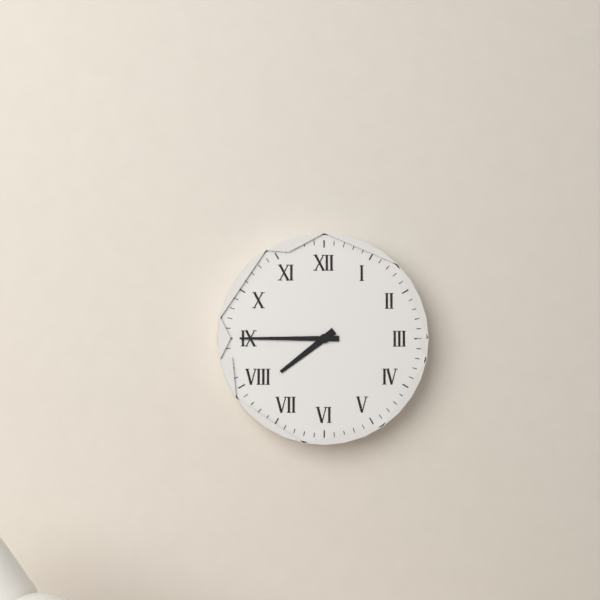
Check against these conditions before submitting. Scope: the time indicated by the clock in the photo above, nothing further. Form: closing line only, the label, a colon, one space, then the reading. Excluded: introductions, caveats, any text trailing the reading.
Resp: 7:45
